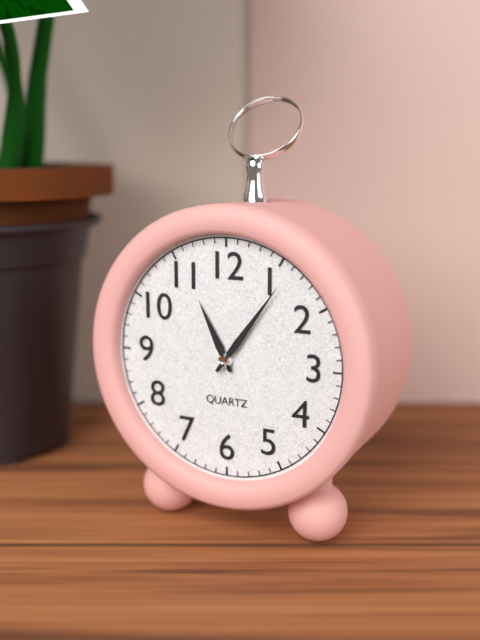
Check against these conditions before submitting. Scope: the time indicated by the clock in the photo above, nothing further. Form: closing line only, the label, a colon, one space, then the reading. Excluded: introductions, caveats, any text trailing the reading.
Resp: 11:06
